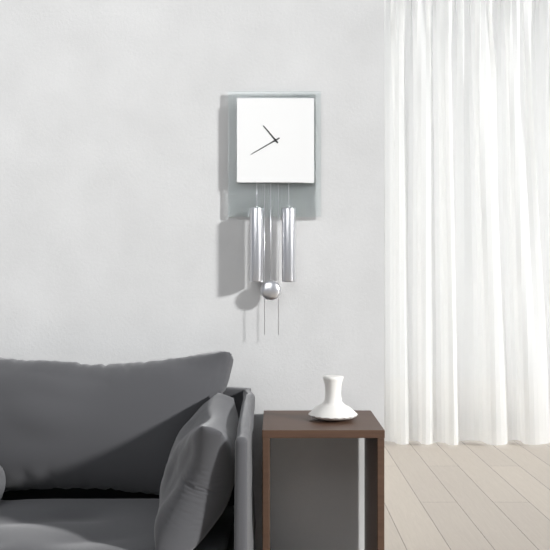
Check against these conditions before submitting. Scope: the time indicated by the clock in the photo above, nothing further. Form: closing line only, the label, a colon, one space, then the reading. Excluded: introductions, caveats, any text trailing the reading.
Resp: 10:40
